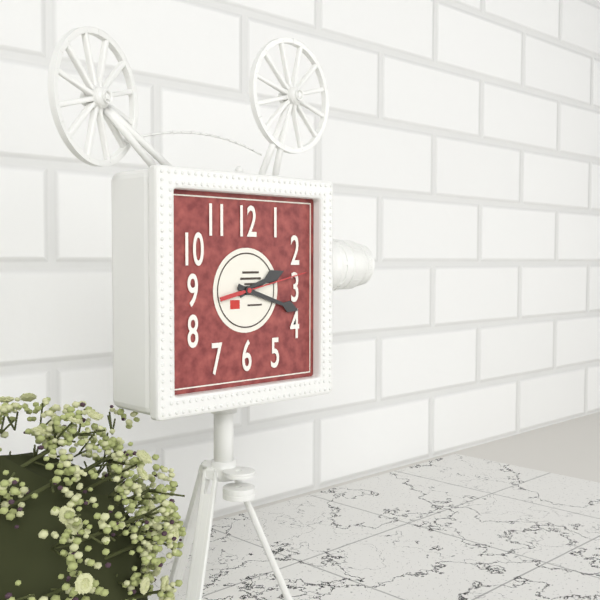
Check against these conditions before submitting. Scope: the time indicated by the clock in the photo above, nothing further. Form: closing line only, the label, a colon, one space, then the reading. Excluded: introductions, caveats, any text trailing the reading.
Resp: 2:18:13
